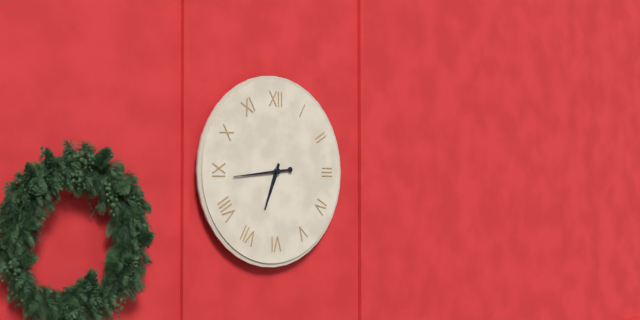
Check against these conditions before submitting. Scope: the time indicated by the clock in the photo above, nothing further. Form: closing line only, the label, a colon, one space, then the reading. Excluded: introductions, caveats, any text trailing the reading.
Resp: 6:44
